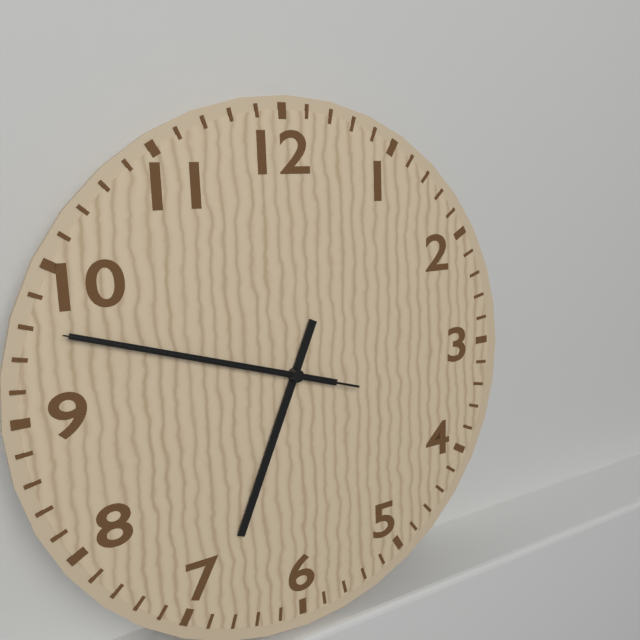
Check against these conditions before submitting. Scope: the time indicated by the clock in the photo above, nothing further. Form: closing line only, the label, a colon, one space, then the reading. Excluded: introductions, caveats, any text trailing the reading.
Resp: 6:48:48
